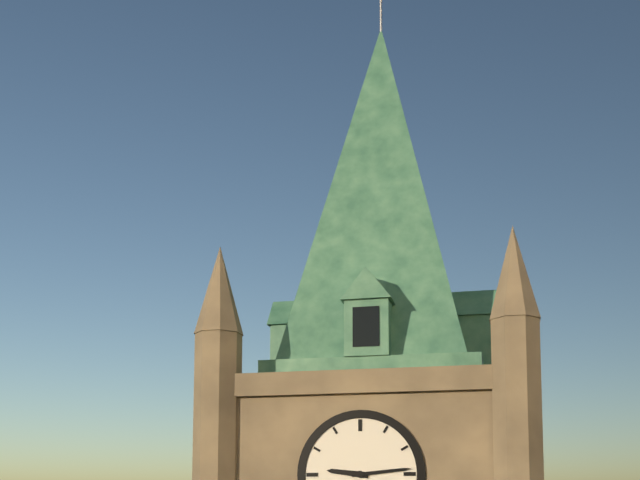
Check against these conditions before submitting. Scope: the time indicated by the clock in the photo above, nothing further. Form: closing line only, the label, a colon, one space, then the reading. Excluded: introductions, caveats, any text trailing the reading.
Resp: 9:14
